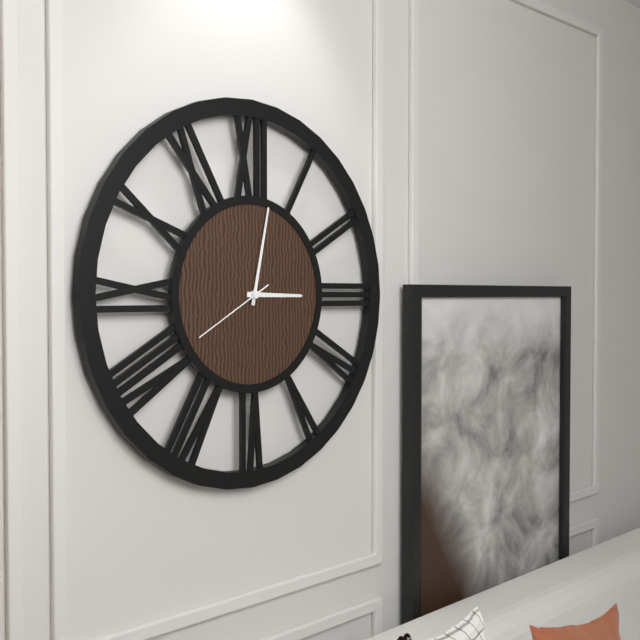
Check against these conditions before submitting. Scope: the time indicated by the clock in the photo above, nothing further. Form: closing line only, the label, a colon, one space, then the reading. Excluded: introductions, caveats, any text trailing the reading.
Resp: 3:02:40
